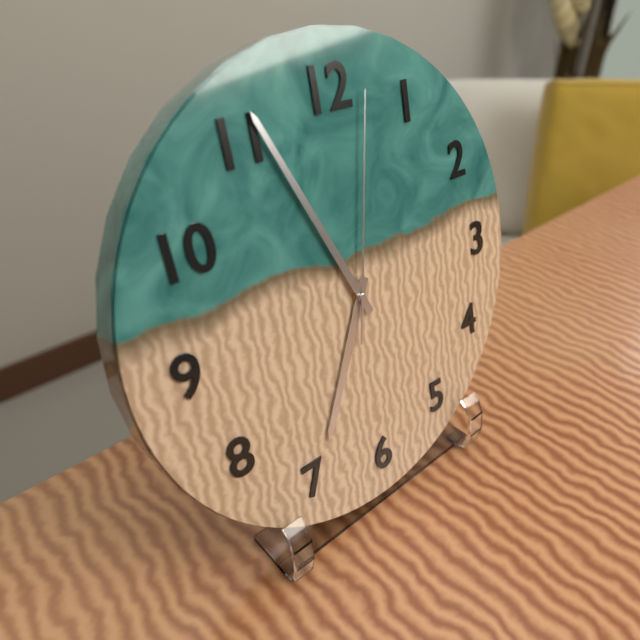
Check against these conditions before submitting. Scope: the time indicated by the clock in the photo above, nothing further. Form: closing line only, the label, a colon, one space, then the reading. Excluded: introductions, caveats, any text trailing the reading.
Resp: 6:56:02
